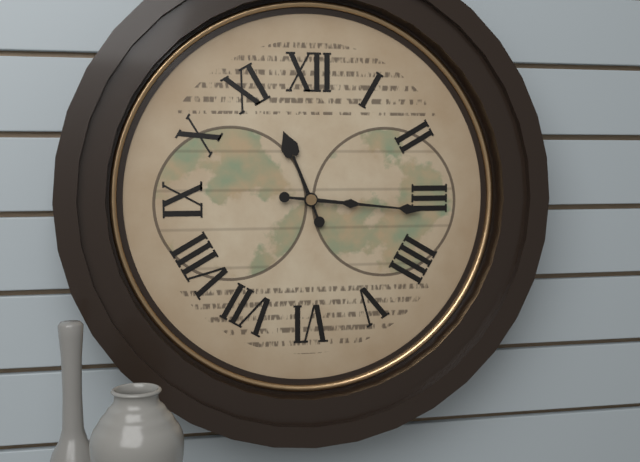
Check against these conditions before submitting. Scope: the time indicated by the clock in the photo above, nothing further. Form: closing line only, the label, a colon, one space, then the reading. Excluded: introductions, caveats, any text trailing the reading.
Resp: 11:16
